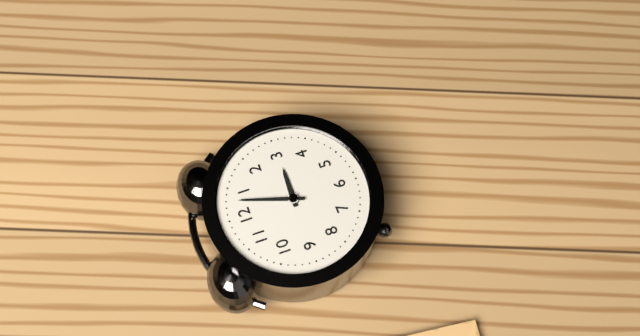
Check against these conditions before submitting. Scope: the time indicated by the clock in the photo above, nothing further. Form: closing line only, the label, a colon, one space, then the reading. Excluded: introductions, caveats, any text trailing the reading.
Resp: 3:03
